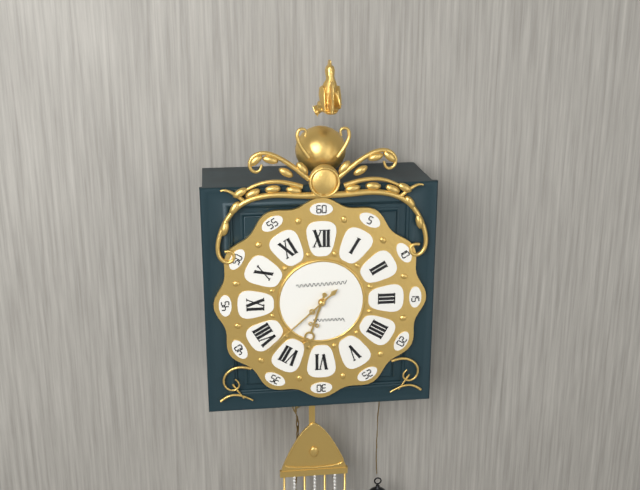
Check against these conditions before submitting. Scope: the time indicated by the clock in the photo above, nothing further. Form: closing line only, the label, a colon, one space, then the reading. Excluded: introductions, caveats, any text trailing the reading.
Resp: 6:38
